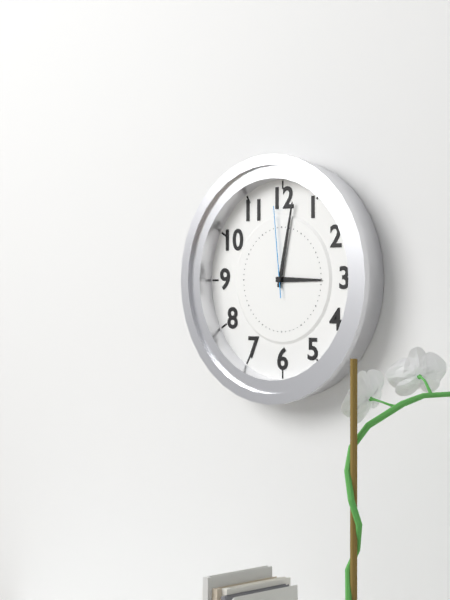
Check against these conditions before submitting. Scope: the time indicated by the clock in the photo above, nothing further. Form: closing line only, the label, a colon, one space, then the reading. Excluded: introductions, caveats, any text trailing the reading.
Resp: 3:02:59
